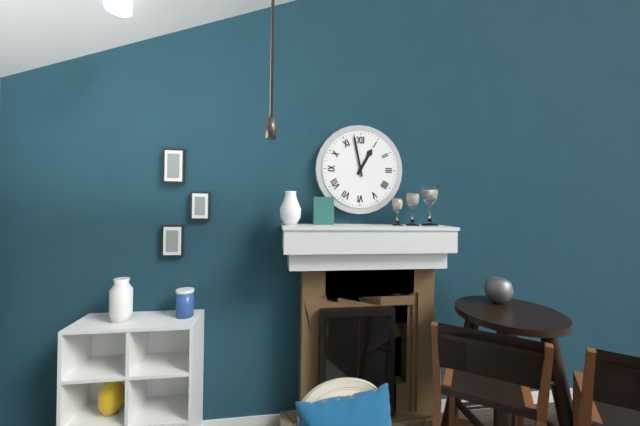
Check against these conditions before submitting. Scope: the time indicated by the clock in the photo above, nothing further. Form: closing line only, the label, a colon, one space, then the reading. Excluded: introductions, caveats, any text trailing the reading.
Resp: 12:58
